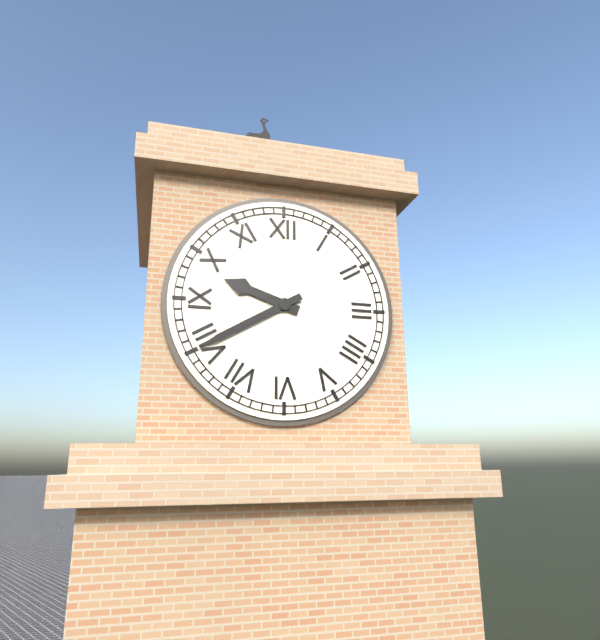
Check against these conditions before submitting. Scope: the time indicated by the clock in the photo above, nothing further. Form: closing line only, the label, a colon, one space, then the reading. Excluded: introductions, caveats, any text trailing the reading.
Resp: 9:40
